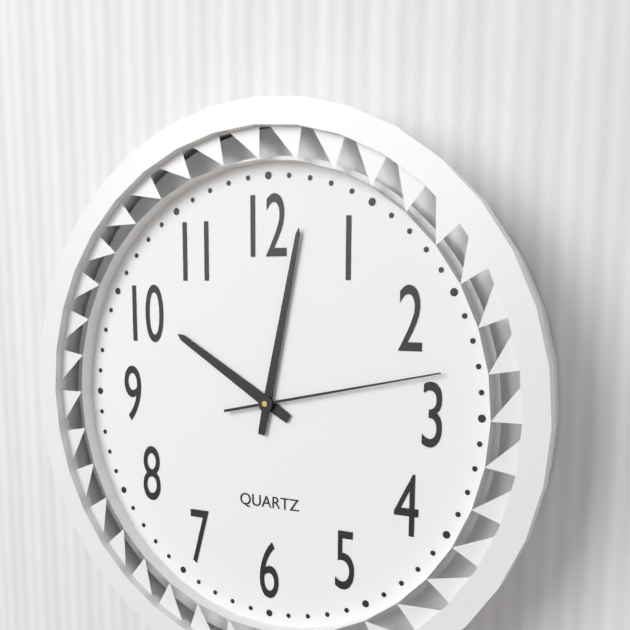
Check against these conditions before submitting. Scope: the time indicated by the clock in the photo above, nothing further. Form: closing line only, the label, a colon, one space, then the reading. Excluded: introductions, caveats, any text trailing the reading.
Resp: 10:02:13
